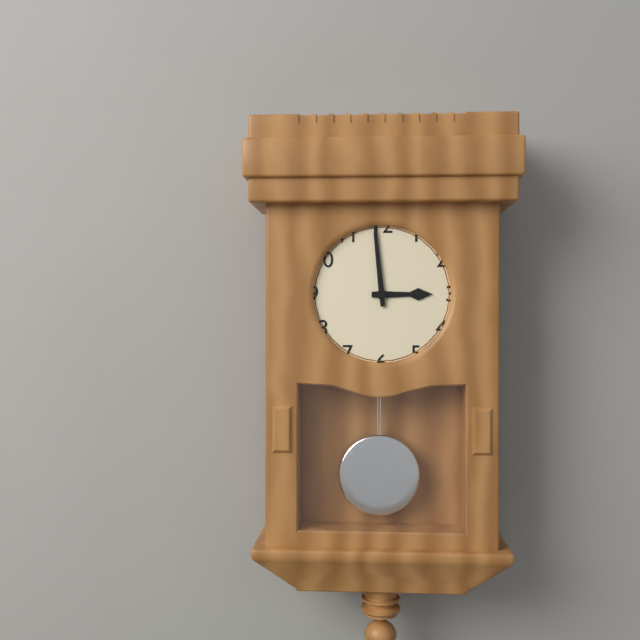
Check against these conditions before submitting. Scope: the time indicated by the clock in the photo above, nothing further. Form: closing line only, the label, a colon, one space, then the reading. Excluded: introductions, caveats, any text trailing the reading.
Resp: 2:59
